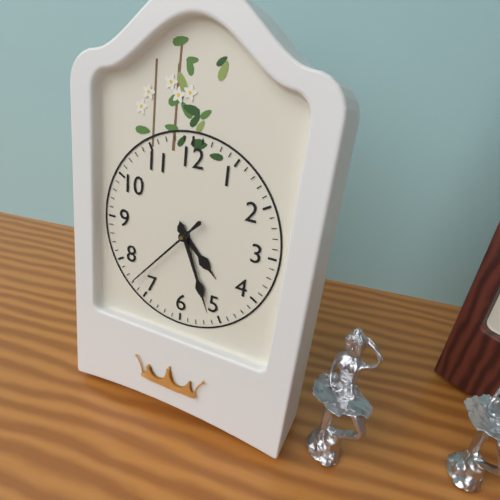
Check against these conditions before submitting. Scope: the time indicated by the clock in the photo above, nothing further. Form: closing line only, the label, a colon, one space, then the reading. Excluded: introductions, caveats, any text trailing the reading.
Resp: 4:26:37
